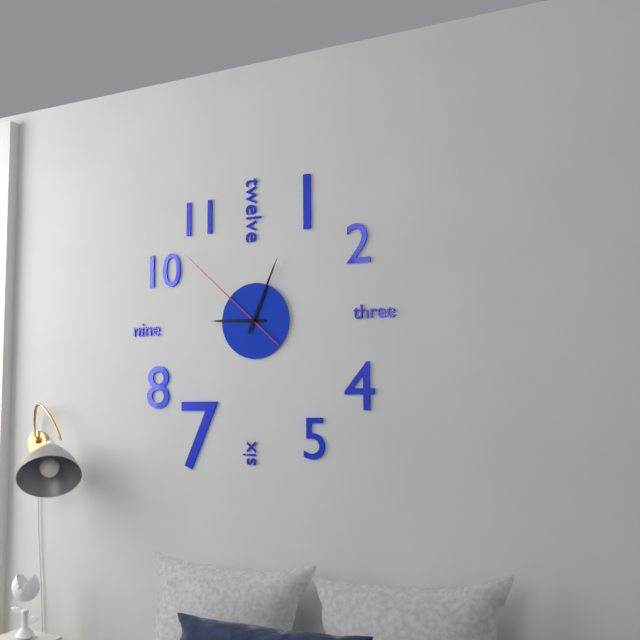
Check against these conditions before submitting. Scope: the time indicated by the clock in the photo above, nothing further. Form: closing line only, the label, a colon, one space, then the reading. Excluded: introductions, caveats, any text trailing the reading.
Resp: 9:04:52
